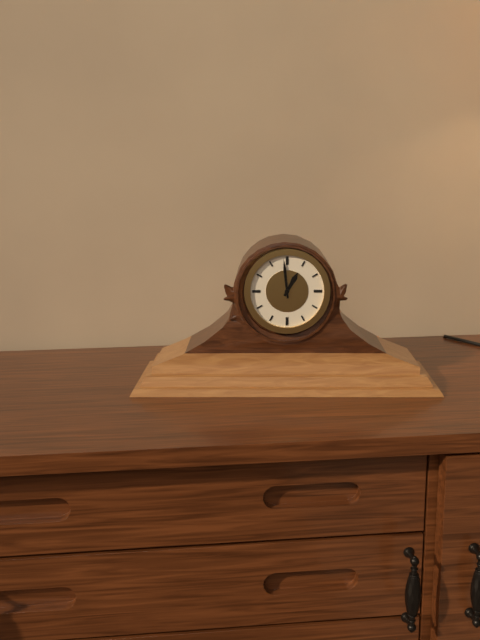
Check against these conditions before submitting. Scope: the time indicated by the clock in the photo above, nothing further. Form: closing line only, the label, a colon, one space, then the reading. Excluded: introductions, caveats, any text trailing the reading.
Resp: 12:59
